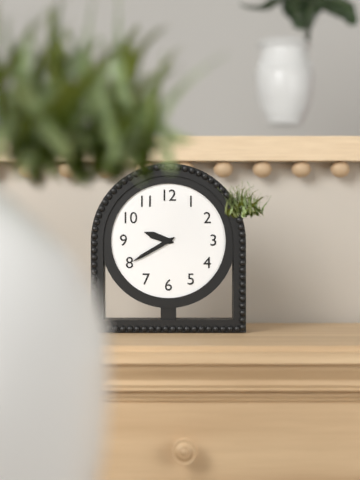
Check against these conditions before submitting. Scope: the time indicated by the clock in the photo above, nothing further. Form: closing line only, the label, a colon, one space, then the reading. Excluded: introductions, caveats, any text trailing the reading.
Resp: 9:40
